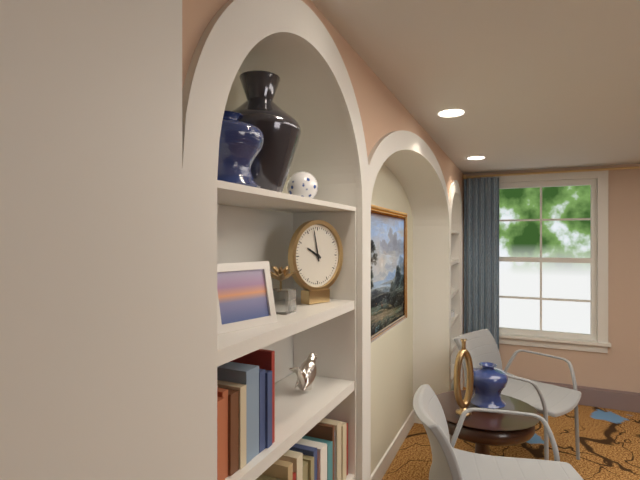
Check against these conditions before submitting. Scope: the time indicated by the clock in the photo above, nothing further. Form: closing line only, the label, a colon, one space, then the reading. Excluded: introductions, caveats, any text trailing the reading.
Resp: 9:58
